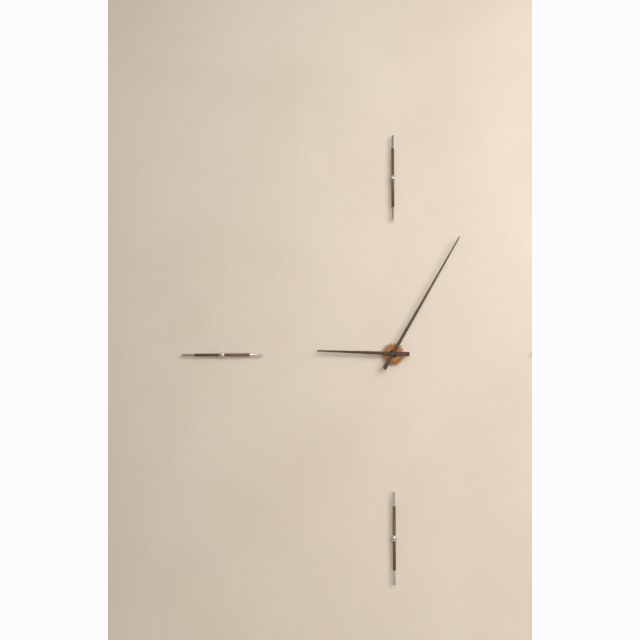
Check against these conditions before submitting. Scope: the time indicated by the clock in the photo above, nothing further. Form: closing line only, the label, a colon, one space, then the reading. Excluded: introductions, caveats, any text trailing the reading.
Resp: 9:05
